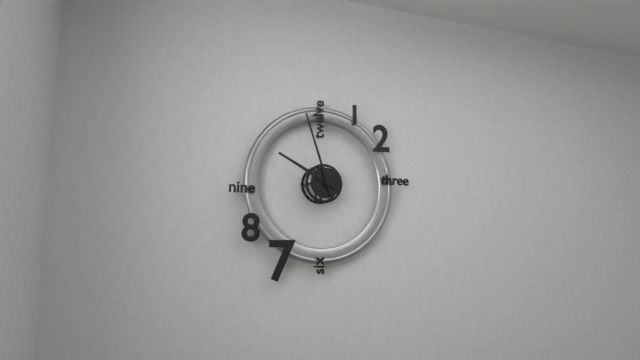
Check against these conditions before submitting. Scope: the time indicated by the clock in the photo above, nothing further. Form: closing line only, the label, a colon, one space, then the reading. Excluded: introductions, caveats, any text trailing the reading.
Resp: 9:57
